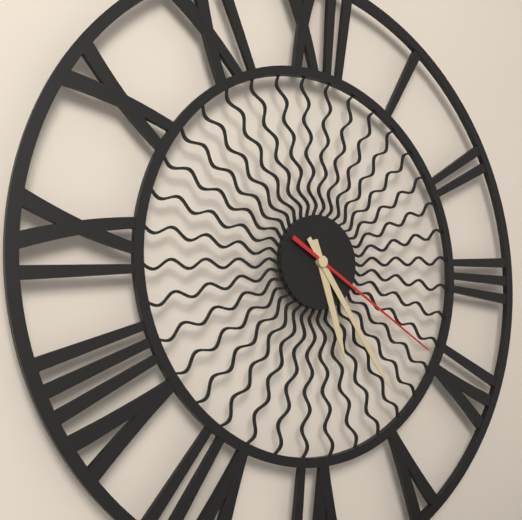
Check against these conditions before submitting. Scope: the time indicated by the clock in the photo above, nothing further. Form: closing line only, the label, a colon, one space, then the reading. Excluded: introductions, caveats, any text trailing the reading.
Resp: 5:24:20
